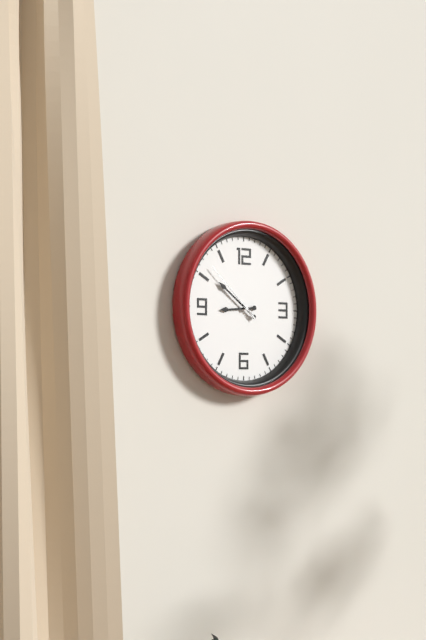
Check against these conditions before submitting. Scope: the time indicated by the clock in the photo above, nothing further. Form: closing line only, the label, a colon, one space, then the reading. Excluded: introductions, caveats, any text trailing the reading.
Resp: 8:51:52
